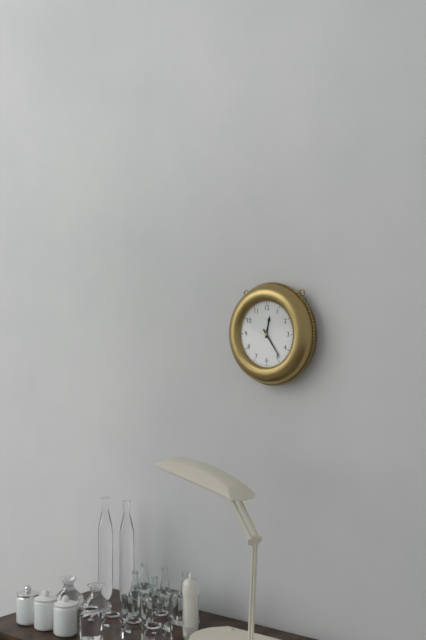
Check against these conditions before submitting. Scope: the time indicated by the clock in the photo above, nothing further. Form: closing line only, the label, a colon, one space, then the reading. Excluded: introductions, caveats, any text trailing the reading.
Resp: 12:24
